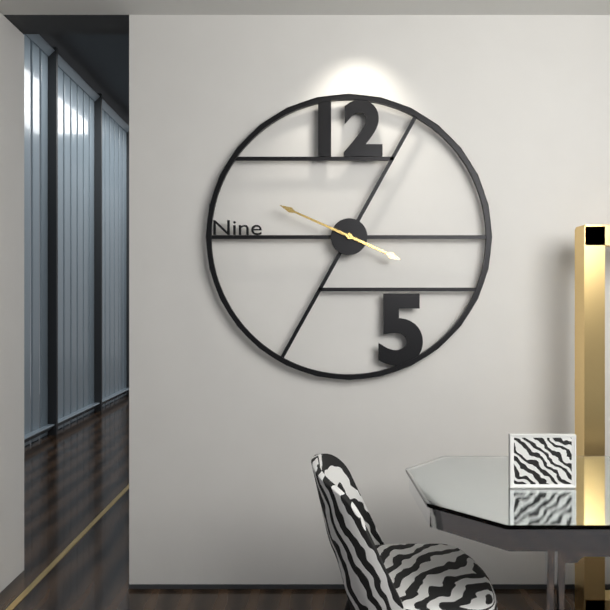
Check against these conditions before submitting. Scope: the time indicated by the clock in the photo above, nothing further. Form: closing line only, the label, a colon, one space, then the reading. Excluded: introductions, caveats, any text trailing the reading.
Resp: 3:49
